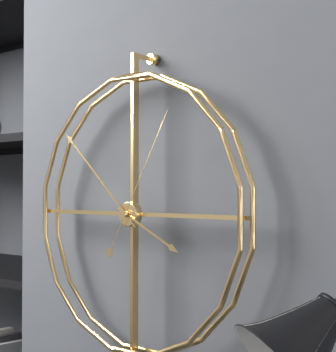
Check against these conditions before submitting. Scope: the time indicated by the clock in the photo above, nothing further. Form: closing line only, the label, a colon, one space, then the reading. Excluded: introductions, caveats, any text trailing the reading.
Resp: 3:52:05
